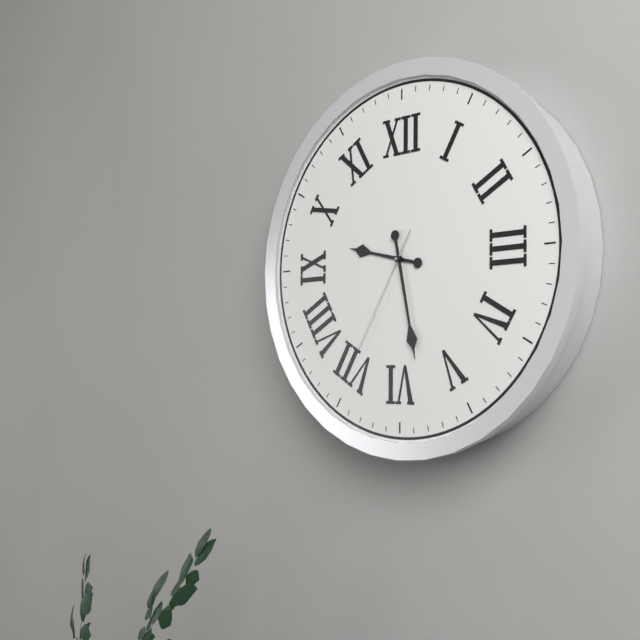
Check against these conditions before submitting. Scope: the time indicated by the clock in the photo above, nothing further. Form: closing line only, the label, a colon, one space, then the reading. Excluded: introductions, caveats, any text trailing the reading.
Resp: 9:28:35
